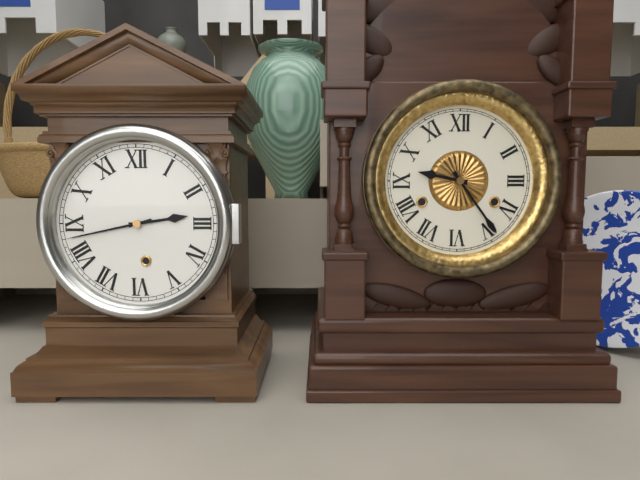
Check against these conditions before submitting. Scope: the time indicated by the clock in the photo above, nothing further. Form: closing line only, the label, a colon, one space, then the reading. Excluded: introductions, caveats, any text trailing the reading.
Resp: 2:43
